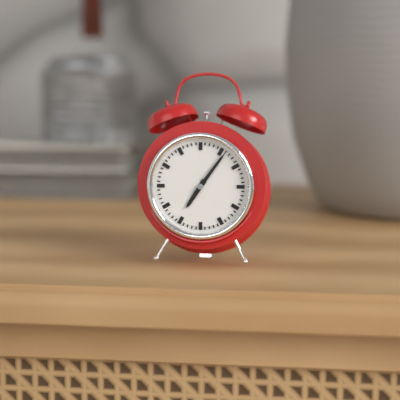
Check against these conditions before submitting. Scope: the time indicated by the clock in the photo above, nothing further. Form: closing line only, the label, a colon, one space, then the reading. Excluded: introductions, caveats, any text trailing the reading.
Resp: 7:06
